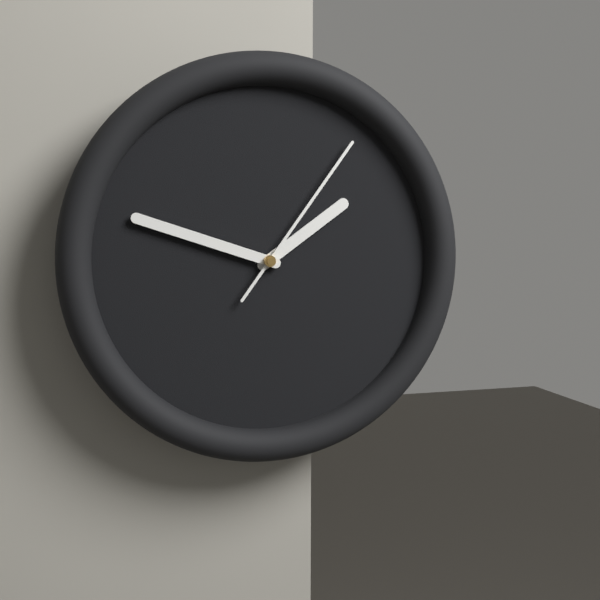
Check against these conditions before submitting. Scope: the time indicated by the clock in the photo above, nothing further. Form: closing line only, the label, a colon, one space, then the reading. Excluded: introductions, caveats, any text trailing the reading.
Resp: 1:48:06
